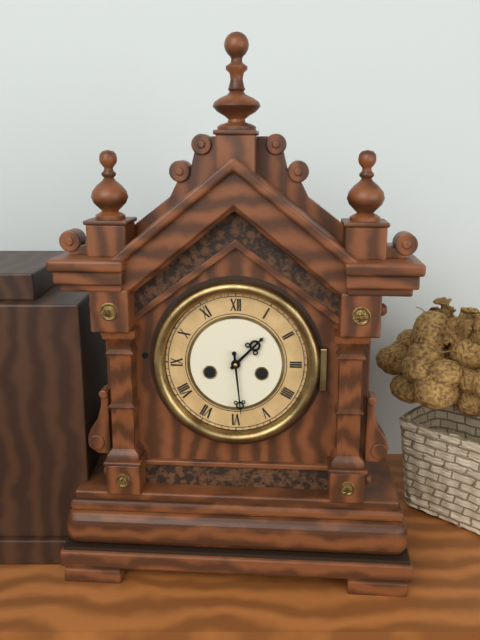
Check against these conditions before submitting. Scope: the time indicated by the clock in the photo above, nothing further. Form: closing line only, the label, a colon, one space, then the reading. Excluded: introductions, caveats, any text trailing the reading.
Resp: 1:29
